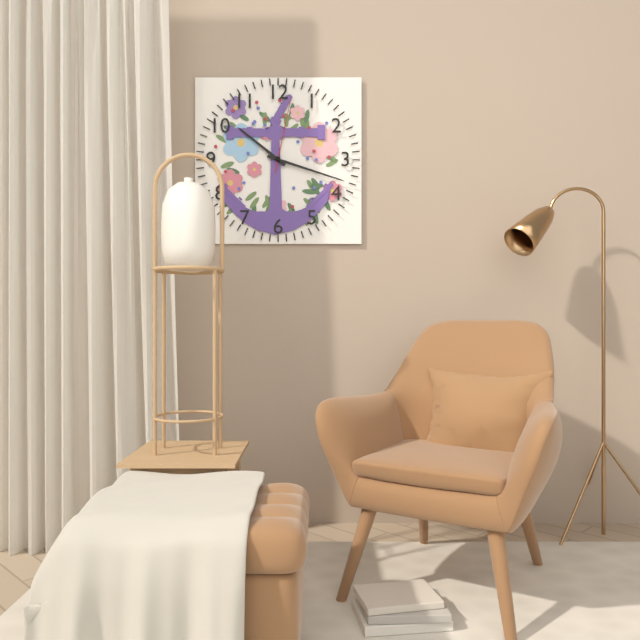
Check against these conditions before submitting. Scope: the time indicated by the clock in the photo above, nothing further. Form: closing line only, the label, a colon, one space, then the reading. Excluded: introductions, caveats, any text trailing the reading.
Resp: 10:18:02
